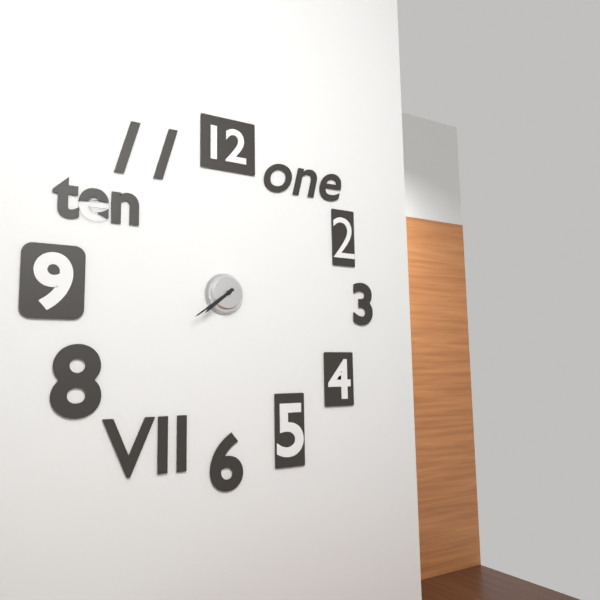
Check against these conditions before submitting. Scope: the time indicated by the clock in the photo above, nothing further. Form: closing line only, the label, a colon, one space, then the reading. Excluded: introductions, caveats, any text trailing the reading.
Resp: 7:39
